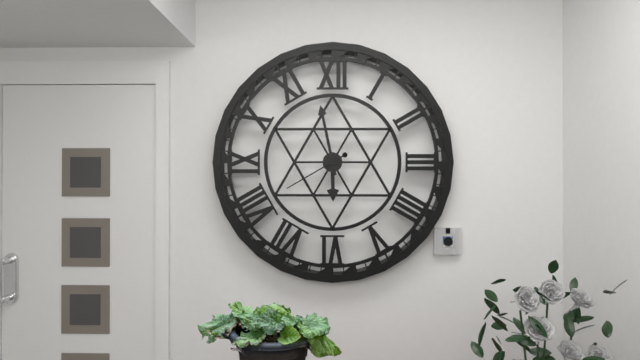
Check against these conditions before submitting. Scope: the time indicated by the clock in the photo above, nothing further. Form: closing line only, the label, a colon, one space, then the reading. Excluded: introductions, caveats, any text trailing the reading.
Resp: 5:58:40
